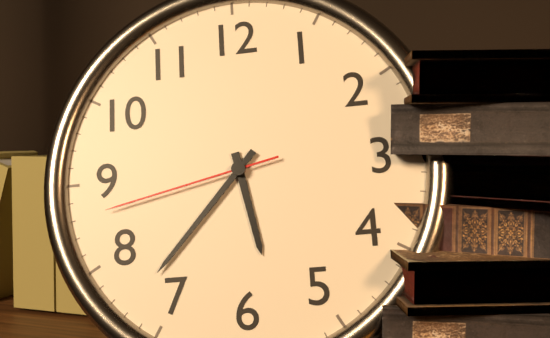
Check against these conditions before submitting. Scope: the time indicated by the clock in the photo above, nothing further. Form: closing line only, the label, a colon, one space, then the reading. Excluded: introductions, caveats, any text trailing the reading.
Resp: 5:37:43
